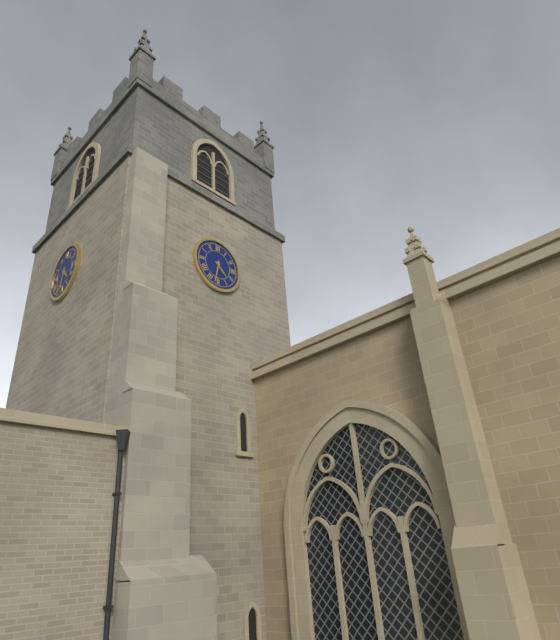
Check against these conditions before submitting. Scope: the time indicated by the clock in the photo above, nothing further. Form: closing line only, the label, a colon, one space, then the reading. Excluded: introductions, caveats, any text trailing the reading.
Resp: 4:32
